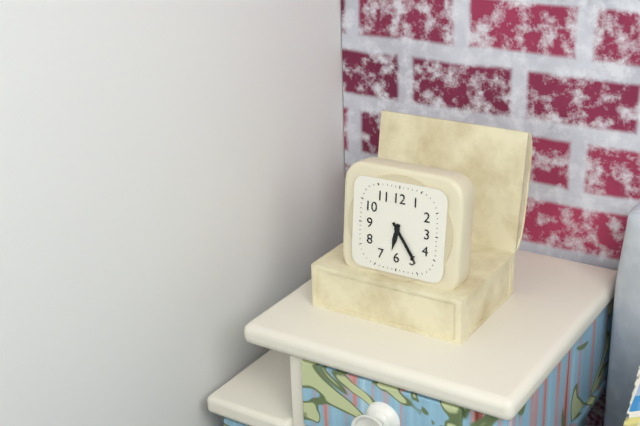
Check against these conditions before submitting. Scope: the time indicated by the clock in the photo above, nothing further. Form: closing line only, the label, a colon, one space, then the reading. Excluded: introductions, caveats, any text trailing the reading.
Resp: 6:24
